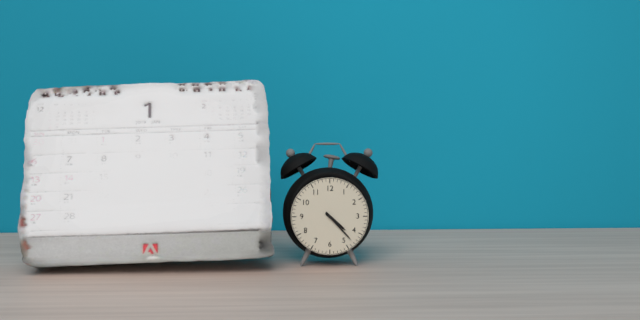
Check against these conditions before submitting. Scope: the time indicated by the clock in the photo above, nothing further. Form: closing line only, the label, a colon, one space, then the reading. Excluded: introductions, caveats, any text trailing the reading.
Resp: 4:23
